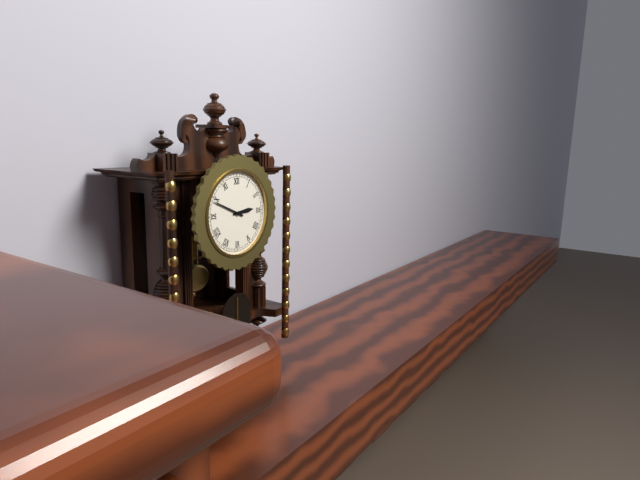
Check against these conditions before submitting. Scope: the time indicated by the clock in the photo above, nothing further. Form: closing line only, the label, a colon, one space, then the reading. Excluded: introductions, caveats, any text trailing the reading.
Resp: 2:49
